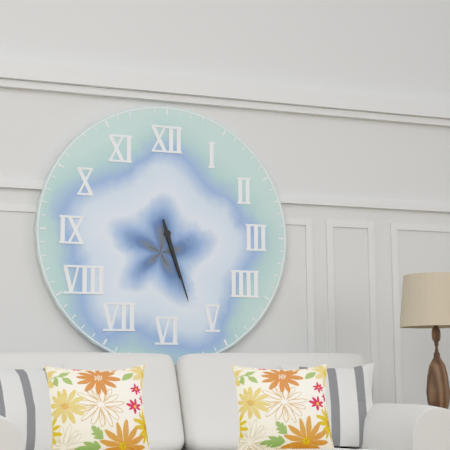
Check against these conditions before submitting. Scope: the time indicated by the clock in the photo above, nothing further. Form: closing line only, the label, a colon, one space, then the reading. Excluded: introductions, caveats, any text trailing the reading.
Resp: 5:27
